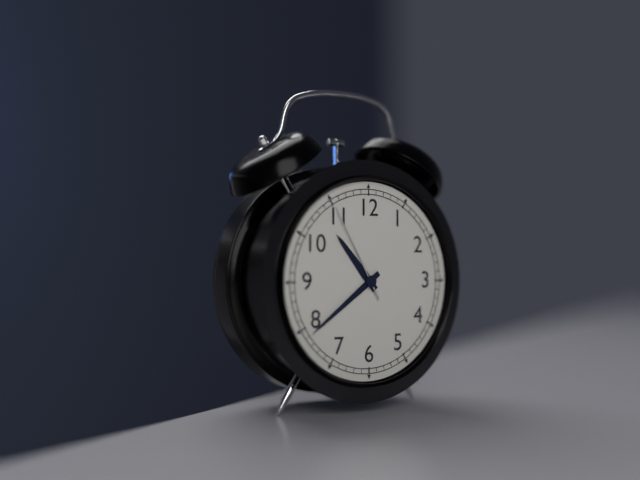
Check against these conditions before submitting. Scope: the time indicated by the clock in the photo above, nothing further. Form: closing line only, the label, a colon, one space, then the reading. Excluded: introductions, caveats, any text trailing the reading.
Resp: 10:39:55
